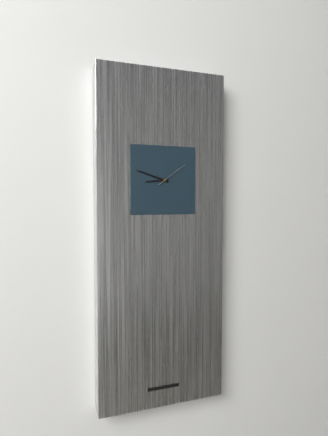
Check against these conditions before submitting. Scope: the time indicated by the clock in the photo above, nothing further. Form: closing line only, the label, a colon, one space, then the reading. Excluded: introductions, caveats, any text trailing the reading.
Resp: 8:48
